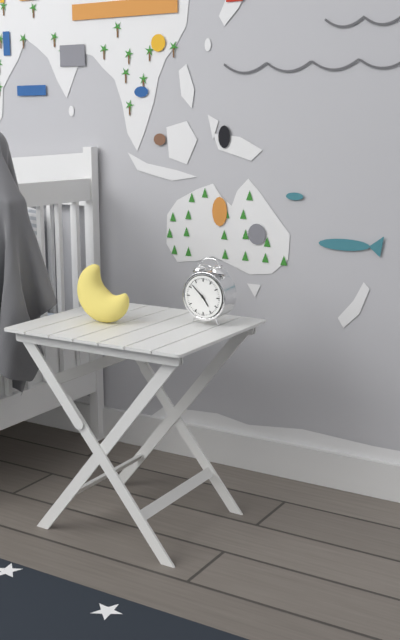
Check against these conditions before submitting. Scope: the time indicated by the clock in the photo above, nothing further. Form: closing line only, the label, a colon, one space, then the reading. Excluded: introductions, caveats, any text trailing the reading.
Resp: 4:52
